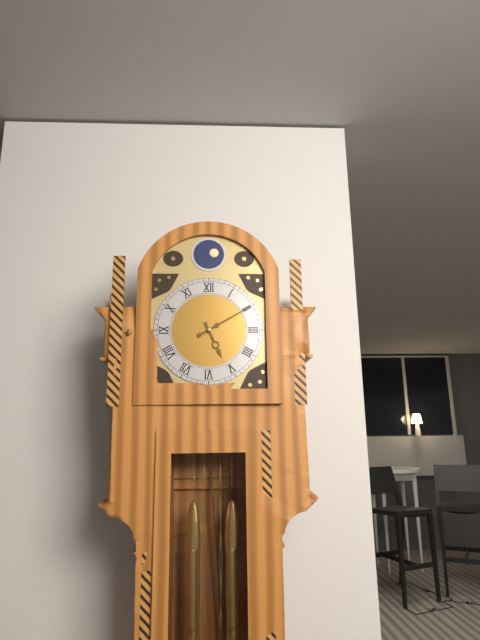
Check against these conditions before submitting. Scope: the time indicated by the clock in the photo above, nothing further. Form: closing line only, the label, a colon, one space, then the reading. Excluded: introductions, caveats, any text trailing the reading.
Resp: 5:10
